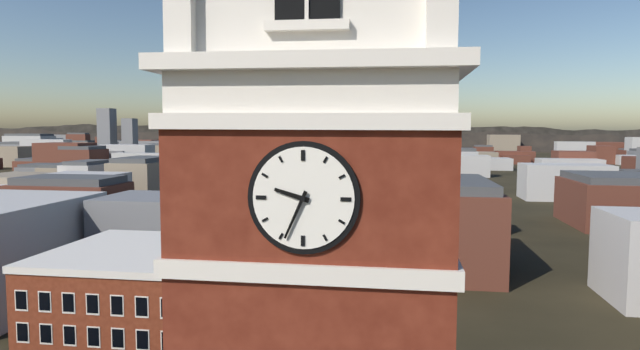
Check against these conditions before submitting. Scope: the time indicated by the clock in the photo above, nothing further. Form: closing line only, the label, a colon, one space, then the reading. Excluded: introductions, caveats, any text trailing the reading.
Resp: 9:34
